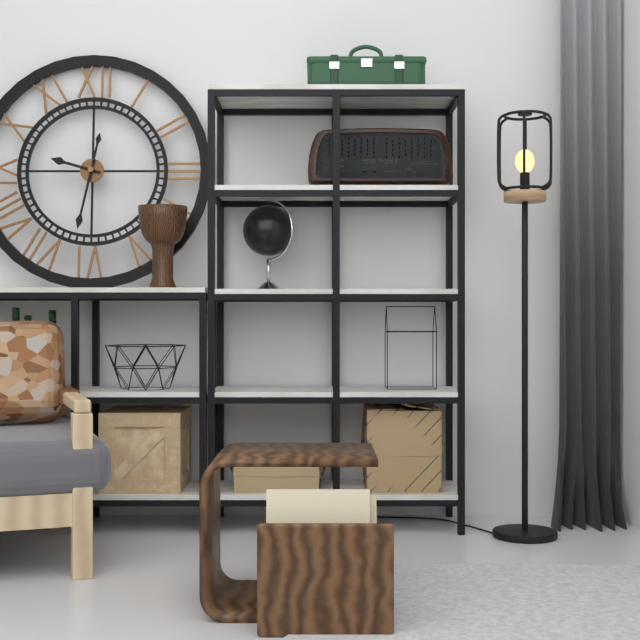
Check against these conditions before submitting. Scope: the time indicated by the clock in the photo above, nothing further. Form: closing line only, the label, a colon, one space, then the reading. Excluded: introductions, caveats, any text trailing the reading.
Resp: 9:32
